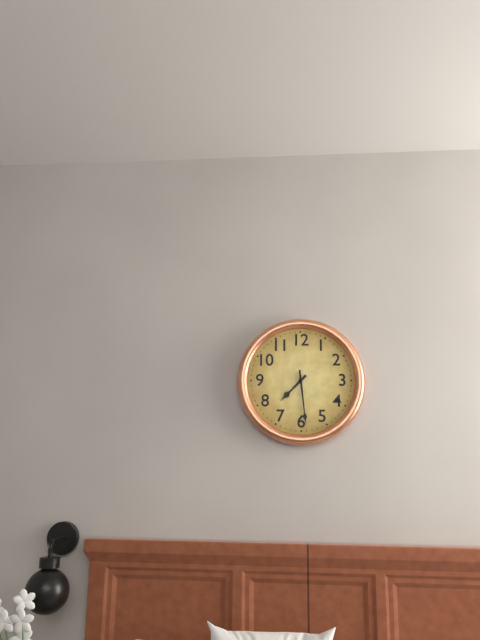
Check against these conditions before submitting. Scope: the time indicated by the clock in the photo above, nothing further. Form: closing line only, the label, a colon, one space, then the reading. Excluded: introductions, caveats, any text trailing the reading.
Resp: 7:29
